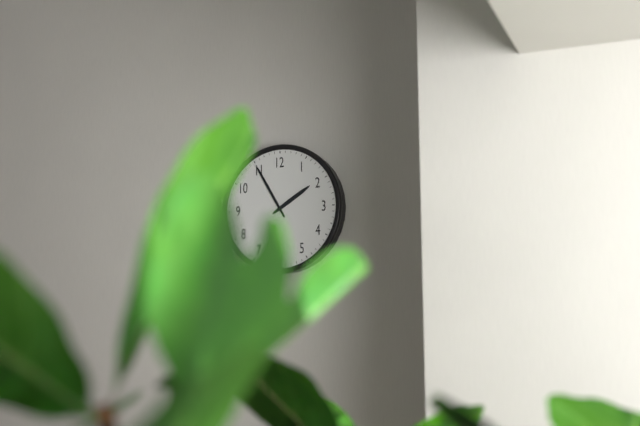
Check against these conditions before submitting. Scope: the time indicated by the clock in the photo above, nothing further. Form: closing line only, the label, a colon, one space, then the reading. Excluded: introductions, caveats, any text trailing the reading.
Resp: 1:55
